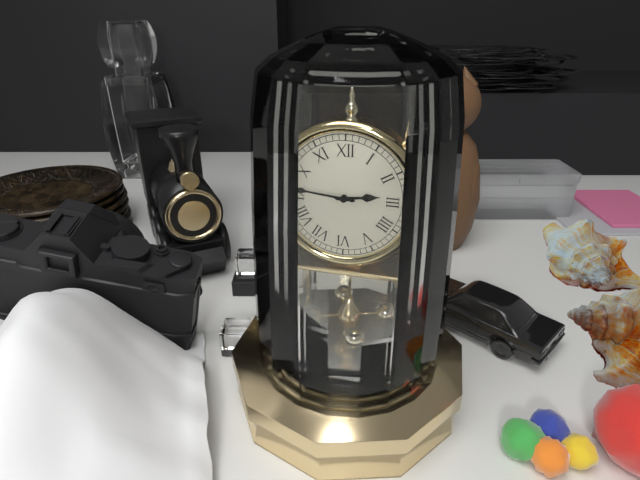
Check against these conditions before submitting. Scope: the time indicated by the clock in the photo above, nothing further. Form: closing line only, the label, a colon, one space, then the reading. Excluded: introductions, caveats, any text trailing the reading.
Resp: 2:46
